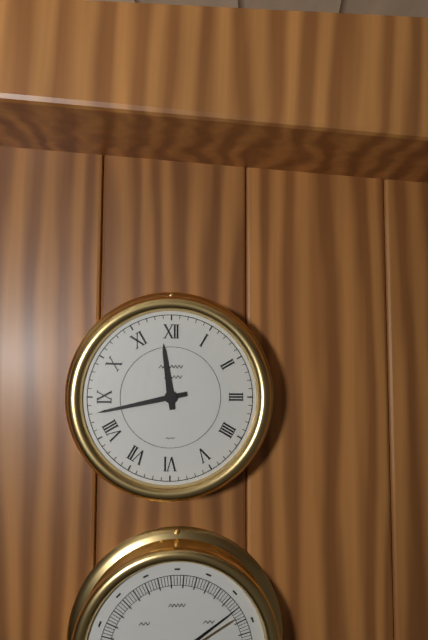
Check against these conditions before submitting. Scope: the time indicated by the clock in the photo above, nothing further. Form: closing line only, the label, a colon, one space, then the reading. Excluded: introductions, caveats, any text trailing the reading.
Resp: 11:43
